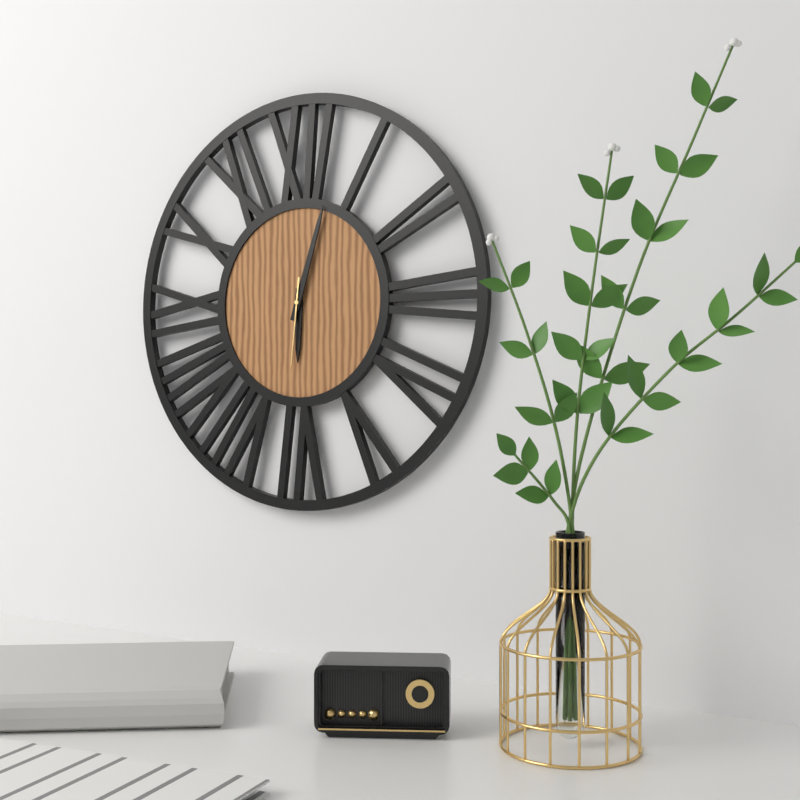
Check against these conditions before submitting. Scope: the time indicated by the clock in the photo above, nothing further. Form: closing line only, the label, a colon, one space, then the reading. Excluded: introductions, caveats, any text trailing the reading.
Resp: 6:03:31
